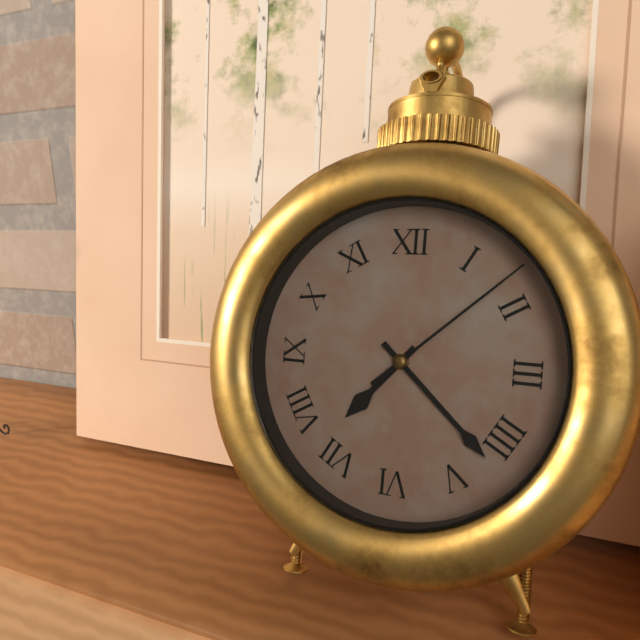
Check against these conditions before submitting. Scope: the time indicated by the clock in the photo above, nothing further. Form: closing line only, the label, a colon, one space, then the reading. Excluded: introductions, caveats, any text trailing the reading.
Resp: 7:22:08
